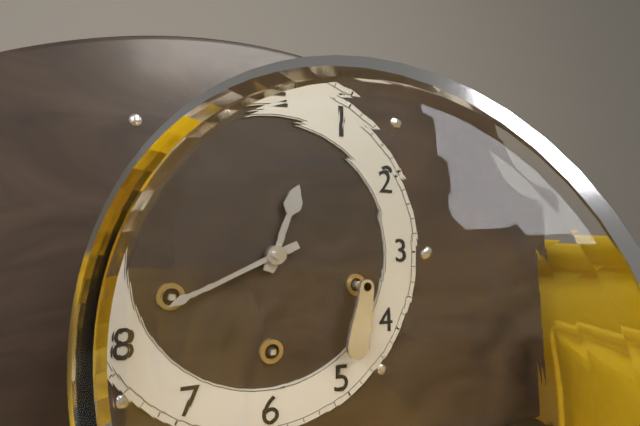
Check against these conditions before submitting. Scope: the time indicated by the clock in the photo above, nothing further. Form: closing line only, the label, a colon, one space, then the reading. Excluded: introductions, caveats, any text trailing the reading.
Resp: 12:41
